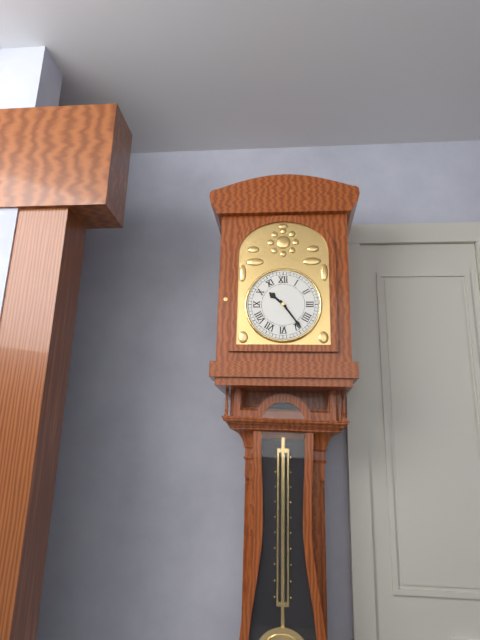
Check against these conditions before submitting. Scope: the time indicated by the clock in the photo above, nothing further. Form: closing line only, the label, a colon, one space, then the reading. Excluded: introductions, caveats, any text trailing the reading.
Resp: 10:24
